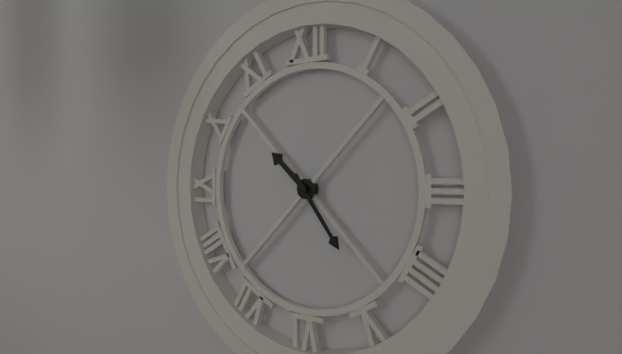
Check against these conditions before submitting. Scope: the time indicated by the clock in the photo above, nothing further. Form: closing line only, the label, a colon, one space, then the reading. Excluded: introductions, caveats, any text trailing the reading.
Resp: 10:24
